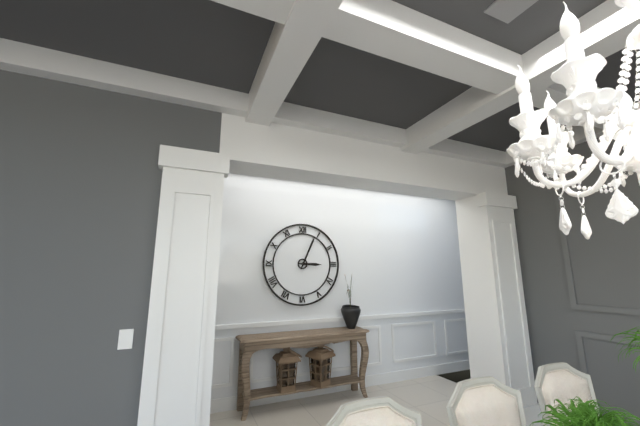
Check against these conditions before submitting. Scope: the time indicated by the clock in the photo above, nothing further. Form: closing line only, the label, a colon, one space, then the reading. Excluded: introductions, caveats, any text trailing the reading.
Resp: 3:04
